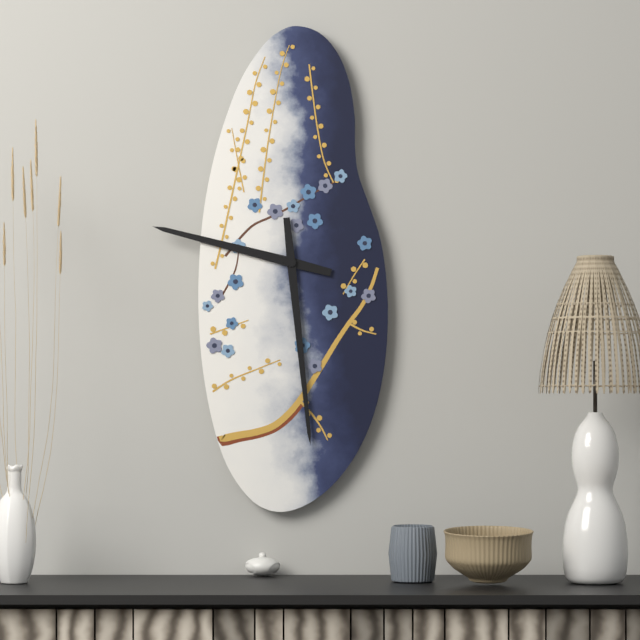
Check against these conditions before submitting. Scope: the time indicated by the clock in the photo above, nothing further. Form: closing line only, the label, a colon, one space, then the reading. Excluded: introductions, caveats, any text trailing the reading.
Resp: 9:29
